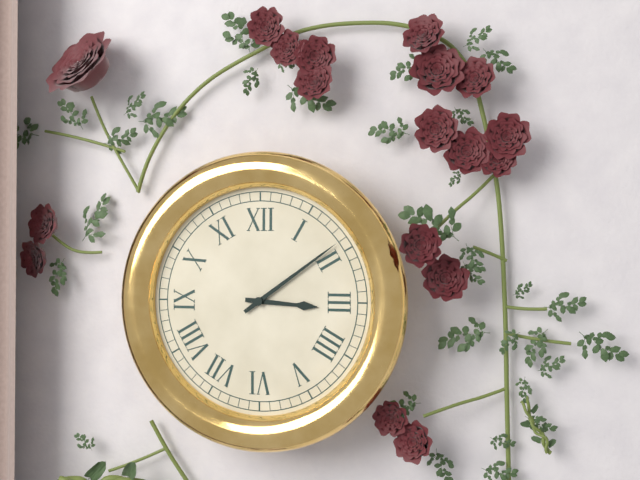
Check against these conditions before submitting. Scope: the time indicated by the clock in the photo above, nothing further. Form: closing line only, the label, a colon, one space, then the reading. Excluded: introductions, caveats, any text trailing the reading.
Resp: 3:09
